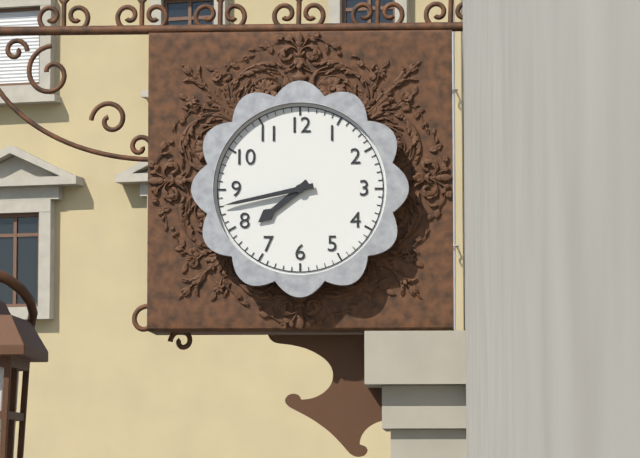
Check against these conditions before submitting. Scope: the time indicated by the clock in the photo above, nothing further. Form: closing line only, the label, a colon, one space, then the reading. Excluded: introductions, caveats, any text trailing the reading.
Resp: 7:43
